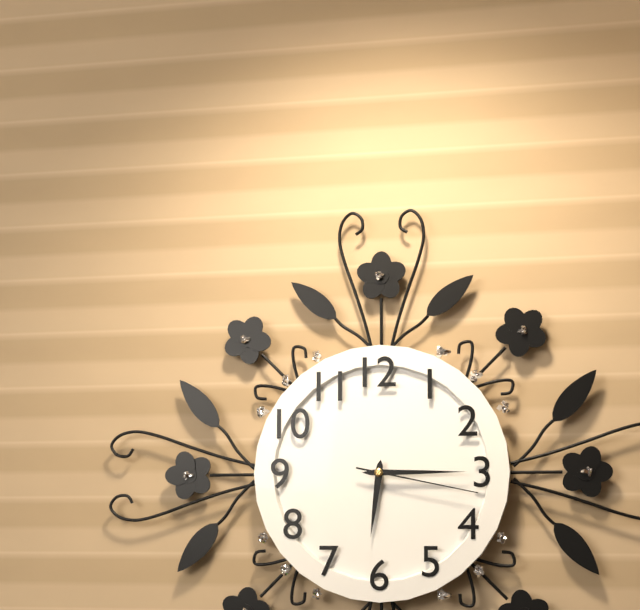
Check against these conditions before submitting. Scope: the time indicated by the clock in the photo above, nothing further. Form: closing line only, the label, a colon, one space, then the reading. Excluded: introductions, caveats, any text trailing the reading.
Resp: 6:15:17
